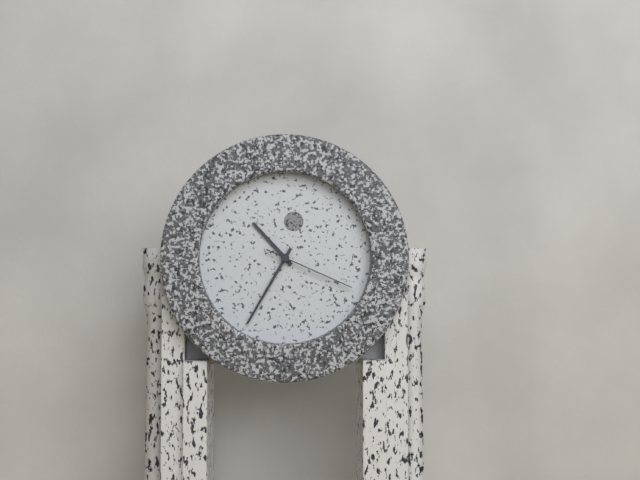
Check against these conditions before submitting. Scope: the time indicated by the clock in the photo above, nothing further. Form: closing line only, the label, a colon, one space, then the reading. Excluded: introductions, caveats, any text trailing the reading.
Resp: 10:35:19
